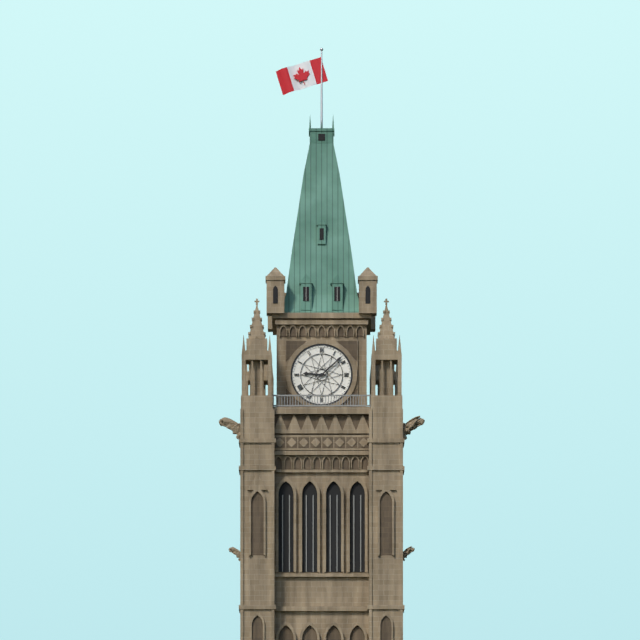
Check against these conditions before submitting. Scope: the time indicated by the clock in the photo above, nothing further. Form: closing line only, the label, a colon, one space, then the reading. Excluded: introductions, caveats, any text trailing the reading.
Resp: 9:08
